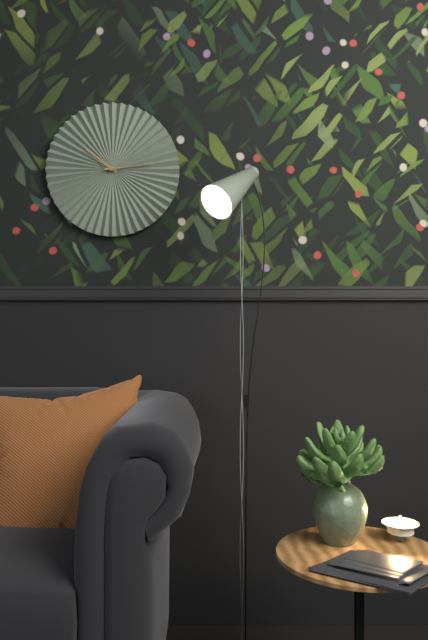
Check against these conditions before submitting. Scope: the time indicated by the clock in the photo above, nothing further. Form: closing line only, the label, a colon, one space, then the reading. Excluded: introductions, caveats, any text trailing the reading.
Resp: 10:14
